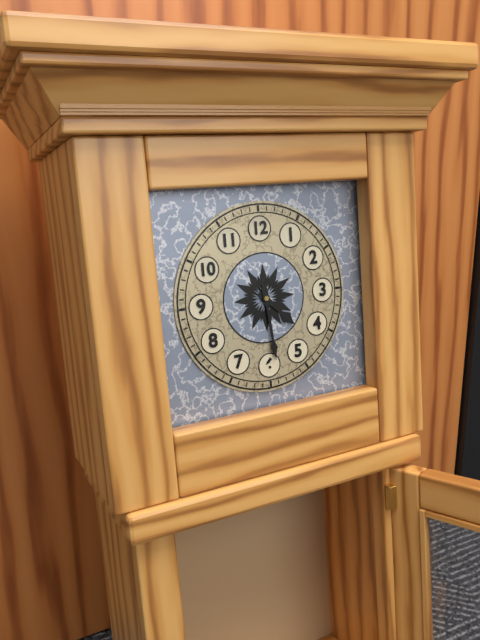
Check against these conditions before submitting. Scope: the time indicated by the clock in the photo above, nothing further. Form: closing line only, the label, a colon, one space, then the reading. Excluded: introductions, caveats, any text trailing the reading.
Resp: 4:29
